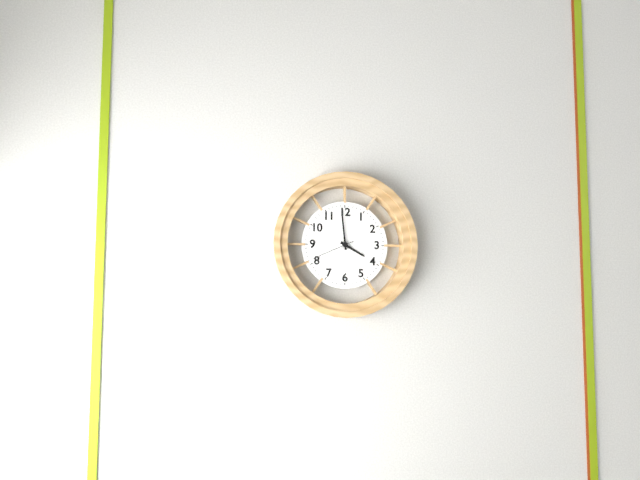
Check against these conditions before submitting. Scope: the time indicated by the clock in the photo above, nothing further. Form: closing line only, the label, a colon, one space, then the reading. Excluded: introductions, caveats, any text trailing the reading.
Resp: 3:59
